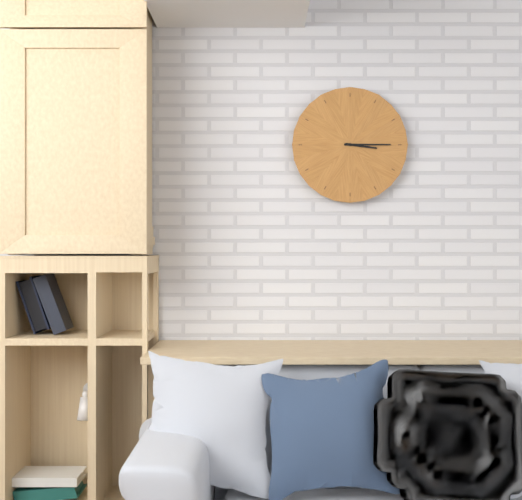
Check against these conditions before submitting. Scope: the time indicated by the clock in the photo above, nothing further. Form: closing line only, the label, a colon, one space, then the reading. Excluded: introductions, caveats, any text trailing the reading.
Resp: 3:15
